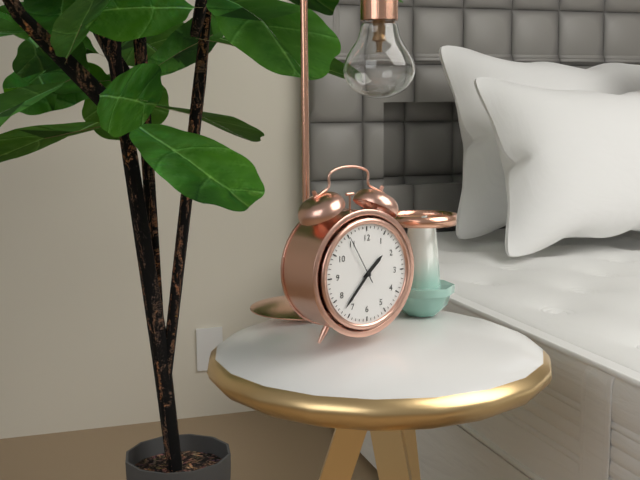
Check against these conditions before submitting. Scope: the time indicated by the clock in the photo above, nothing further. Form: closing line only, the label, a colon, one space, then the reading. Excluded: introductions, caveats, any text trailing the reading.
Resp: 1:37:55
